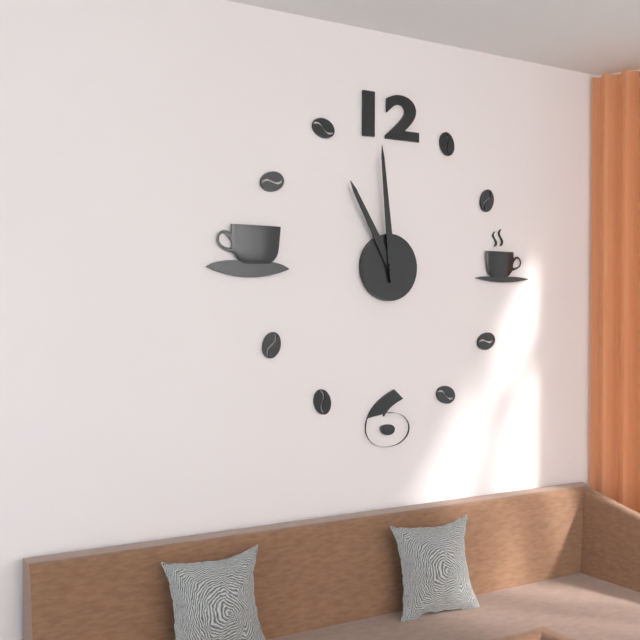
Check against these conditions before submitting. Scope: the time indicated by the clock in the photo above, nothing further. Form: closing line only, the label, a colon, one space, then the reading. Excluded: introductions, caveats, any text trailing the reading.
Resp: 10:59
